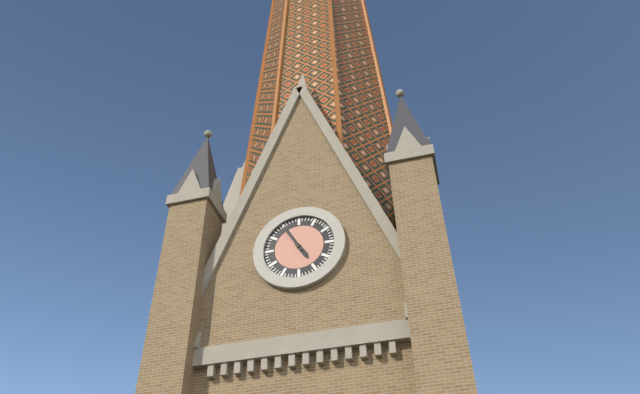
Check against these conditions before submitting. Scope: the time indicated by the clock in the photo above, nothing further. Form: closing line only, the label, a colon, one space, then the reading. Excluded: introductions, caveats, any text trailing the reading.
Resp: 4:55
